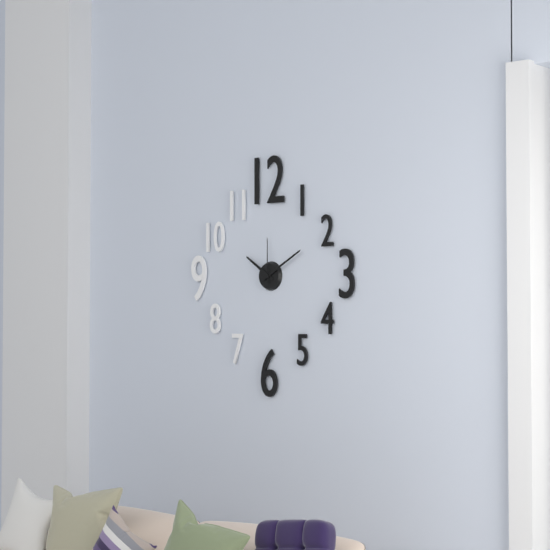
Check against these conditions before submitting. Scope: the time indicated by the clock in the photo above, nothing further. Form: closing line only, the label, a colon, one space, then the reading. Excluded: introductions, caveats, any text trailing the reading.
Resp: 10:10
